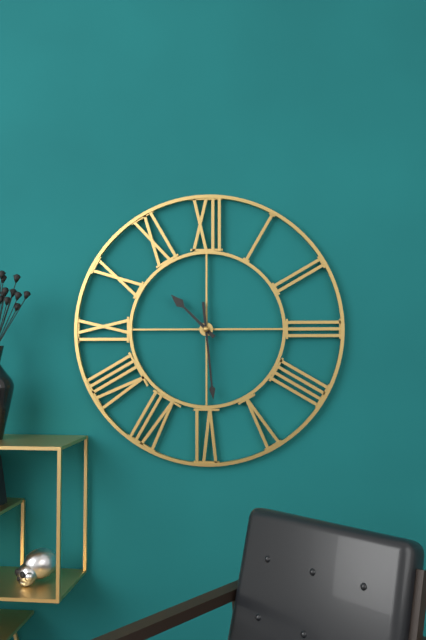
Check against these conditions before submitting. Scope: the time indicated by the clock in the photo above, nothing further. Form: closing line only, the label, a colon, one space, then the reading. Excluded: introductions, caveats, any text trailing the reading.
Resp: 10:29
